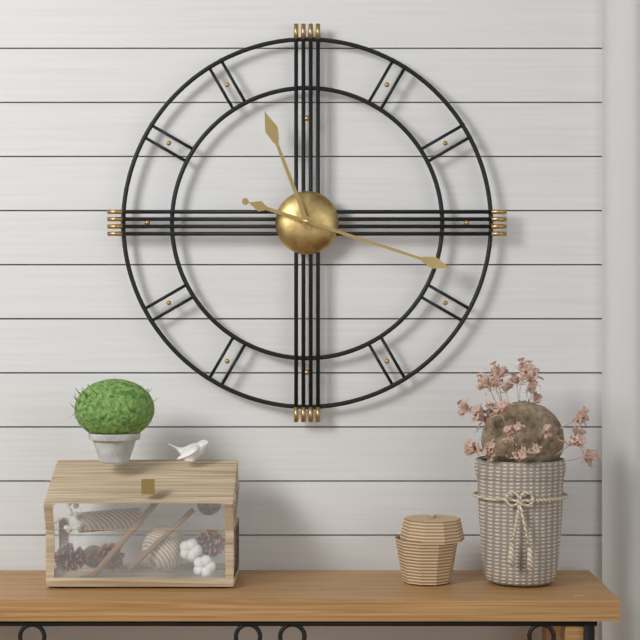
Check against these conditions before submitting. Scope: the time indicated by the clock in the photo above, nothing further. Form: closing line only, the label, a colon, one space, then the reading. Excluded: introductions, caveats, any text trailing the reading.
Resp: 11:18
